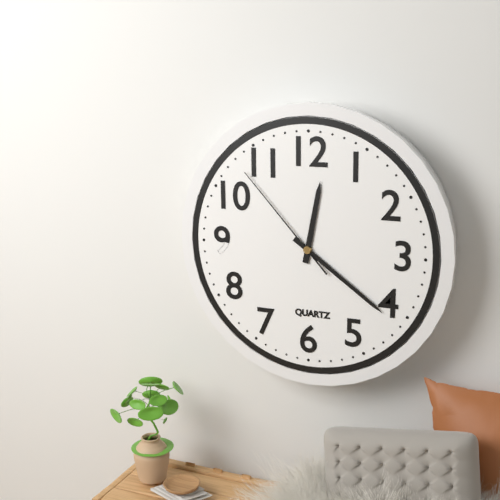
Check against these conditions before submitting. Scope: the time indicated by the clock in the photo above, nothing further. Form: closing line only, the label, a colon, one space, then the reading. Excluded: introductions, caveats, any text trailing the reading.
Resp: 12:21:53
